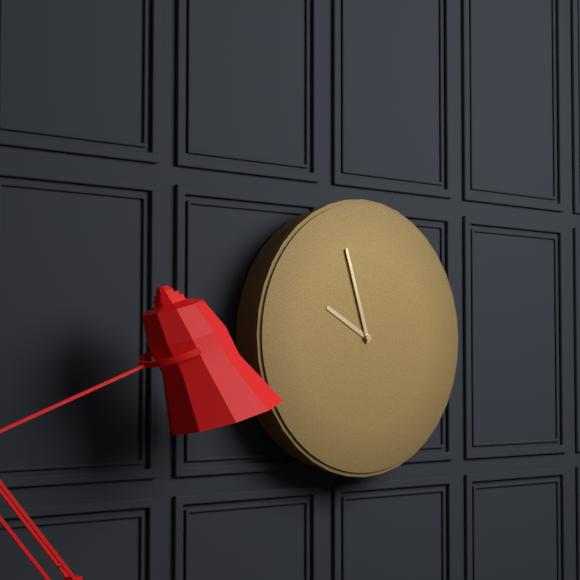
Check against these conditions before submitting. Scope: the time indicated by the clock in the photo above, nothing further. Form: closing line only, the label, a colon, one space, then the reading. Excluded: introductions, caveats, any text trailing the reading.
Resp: 9:57
